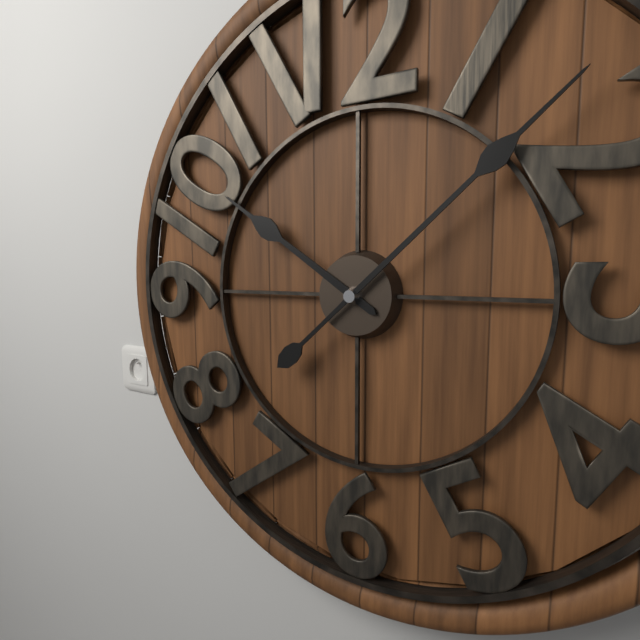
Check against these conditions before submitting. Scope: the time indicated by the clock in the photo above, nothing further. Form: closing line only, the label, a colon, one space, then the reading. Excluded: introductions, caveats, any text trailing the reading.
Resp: 10:08
